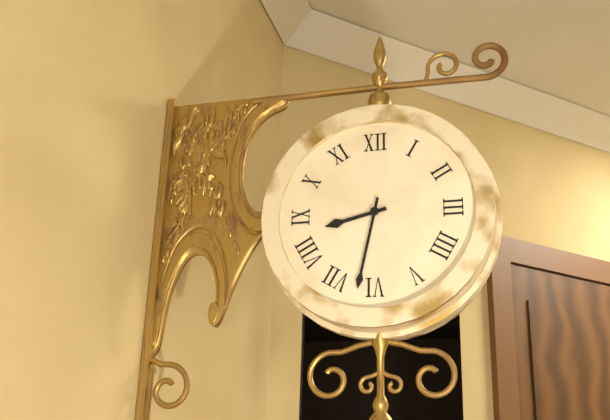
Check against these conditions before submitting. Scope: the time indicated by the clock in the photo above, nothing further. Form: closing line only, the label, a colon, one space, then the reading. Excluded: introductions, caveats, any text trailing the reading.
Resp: 8:32
